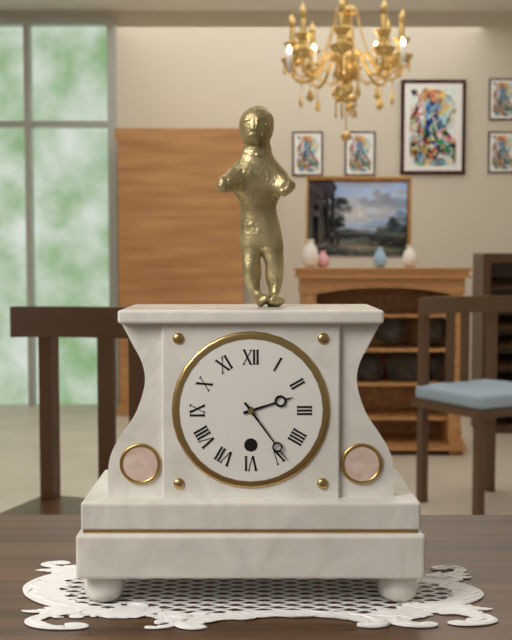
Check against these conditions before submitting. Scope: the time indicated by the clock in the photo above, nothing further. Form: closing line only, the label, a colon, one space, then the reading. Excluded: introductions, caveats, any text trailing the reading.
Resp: 2:24
